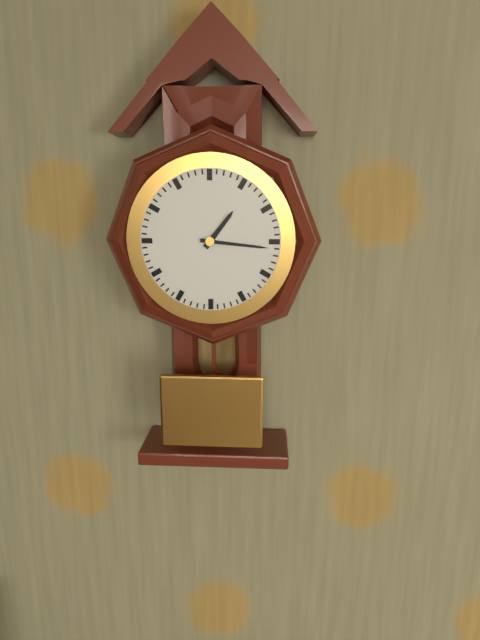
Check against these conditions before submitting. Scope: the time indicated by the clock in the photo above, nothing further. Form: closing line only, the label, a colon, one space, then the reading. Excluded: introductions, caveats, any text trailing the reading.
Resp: 1:16
